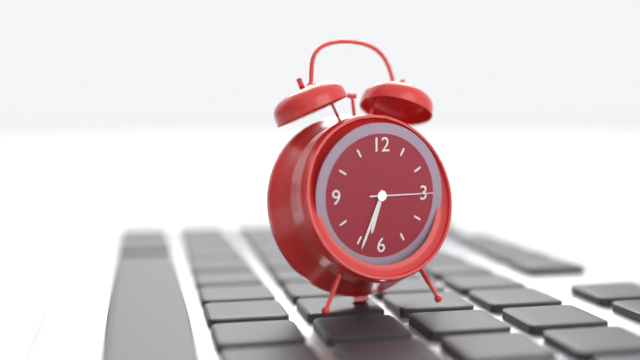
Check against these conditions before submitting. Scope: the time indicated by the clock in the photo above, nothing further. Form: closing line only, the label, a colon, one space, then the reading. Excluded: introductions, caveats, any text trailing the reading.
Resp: 6:34:15
